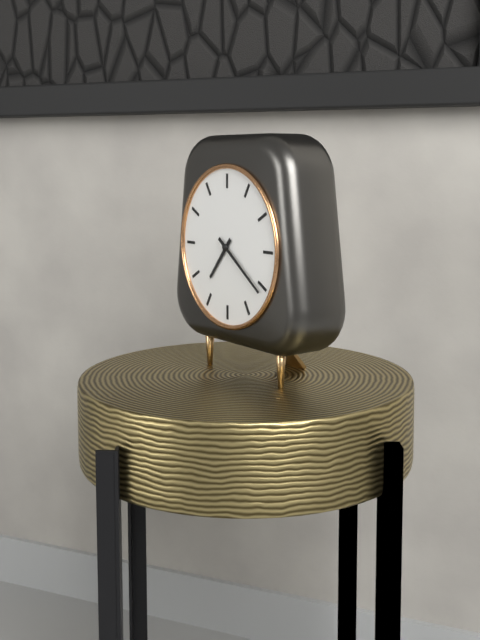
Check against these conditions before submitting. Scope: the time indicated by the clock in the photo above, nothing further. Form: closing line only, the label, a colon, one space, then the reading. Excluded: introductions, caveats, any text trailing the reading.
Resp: 7:21
